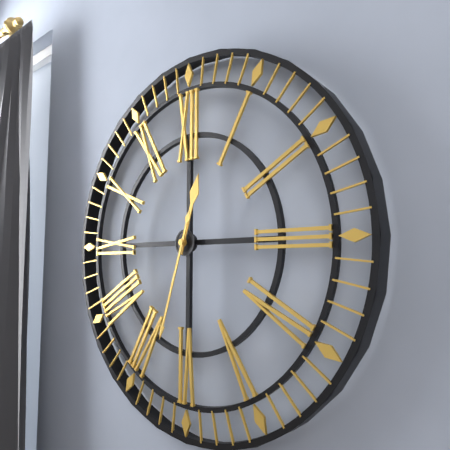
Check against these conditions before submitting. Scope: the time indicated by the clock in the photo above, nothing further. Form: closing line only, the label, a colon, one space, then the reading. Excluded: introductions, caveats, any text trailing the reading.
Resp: 12:33
